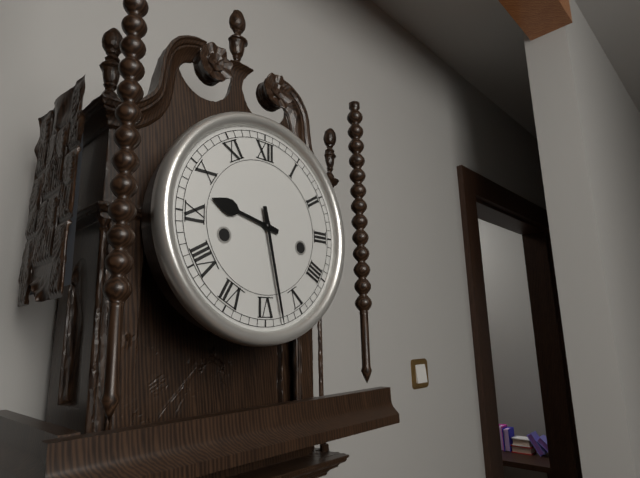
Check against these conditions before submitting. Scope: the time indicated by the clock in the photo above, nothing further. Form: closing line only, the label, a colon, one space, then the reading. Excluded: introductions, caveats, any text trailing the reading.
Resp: 9:28
